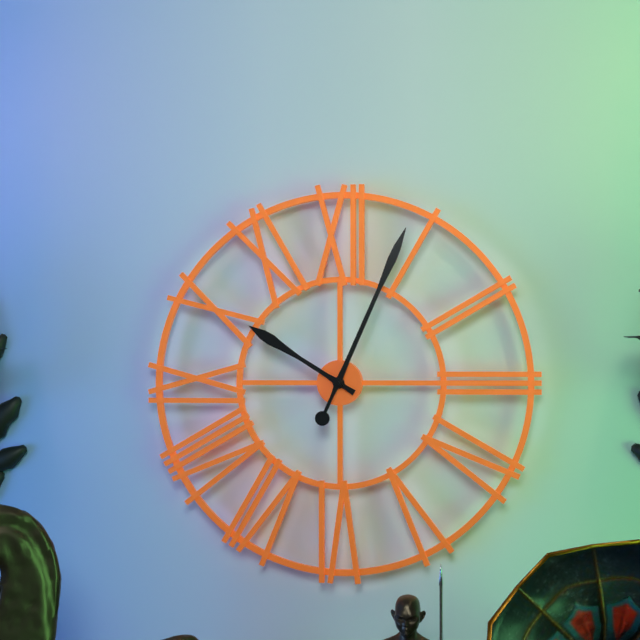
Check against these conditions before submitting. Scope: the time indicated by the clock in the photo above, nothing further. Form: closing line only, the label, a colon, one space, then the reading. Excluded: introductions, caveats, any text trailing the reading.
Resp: 10:04
